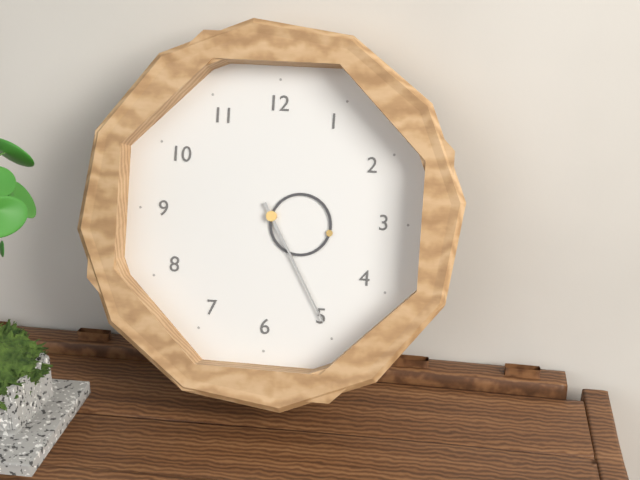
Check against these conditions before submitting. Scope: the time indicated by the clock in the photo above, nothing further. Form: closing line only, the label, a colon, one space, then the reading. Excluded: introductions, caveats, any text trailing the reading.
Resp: 3:25
